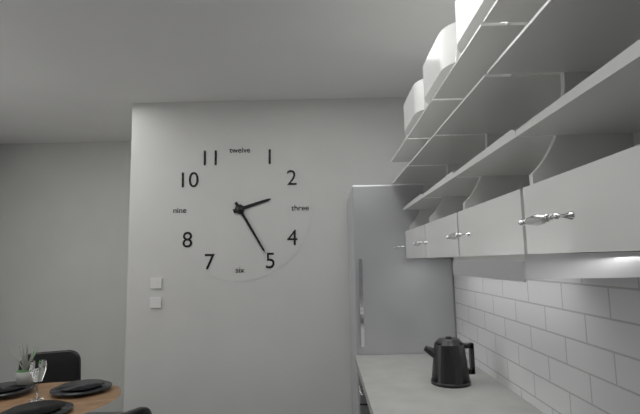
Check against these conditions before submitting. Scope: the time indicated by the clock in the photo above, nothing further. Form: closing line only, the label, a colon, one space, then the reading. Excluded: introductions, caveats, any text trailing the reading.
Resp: 2:25
